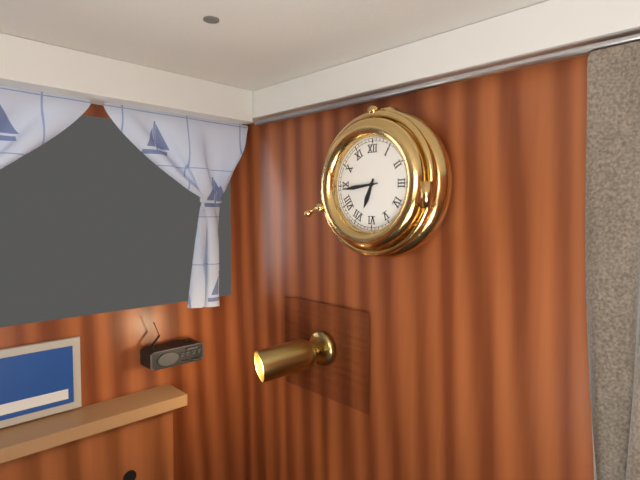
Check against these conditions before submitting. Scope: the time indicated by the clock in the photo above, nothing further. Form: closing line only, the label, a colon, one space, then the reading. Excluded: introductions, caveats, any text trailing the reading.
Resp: 6:44
